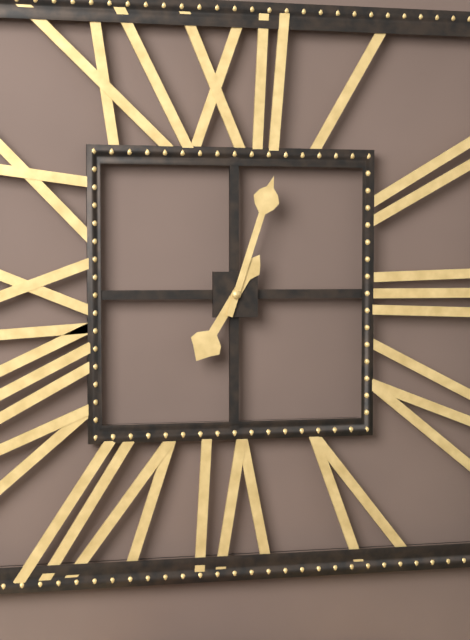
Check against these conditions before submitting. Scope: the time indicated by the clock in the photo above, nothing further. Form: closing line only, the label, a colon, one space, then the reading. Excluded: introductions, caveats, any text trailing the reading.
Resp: 7:03
